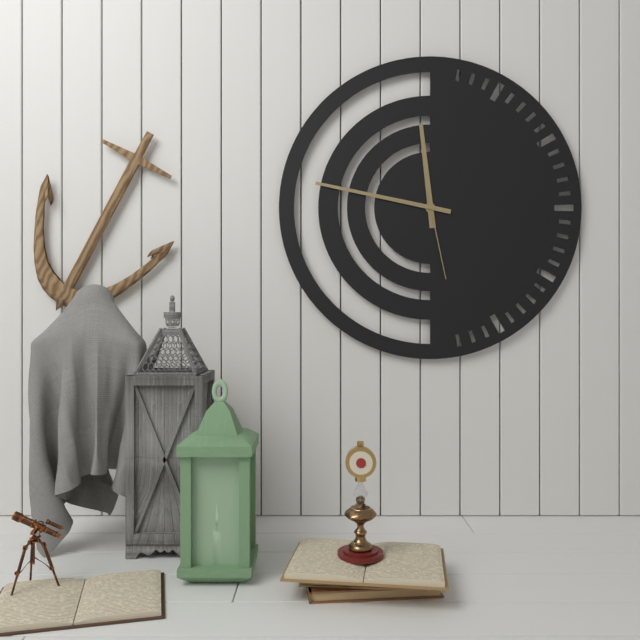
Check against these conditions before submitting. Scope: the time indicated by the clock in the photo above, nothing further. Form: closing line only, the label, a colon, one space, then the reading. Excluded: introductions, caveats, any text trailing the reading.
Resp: 11:47:28
